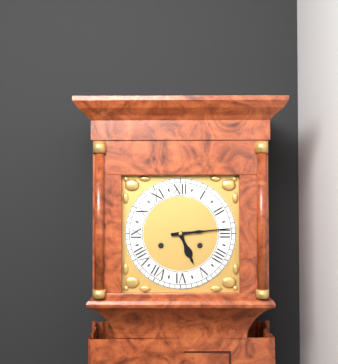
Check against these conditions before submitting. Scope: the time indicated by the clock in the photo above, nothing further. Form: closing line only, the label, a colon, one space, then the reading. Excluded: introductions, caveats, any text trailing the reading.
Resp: 5:14
